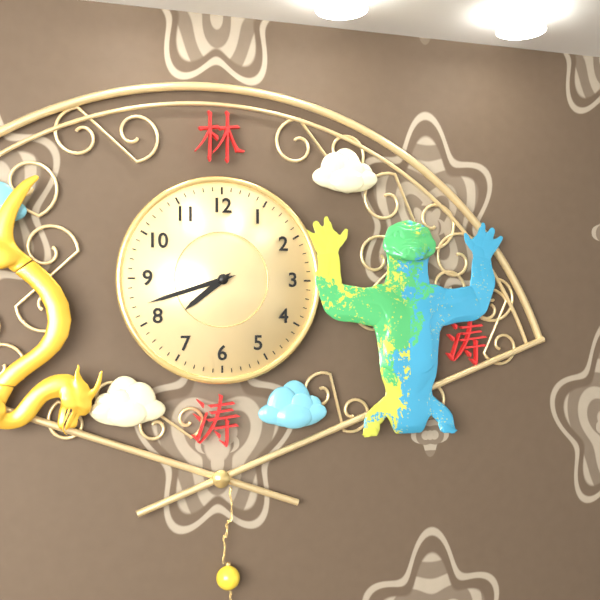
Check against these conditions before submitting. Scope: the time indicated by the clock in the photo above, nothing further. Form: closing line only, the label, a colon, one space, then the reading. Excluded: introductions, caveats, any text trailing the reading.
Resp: 7:42
